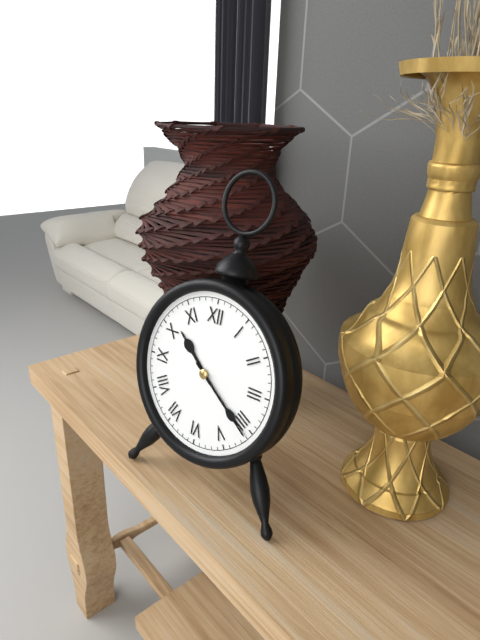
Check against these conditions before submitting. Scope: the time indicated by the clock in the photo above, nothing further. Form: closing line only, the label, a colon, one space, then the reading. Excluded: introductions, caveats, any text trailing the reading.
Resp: 10:21
